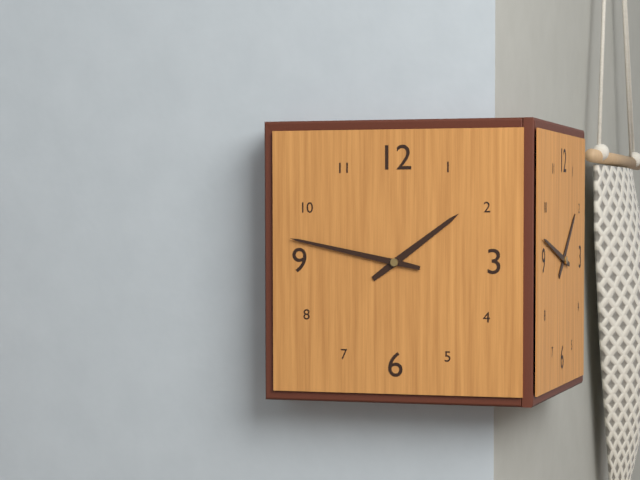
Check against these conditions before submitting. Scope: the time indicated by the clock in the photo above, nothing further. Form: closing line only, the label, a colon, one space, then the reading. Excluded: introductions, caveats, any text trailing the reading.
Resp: 1:47
